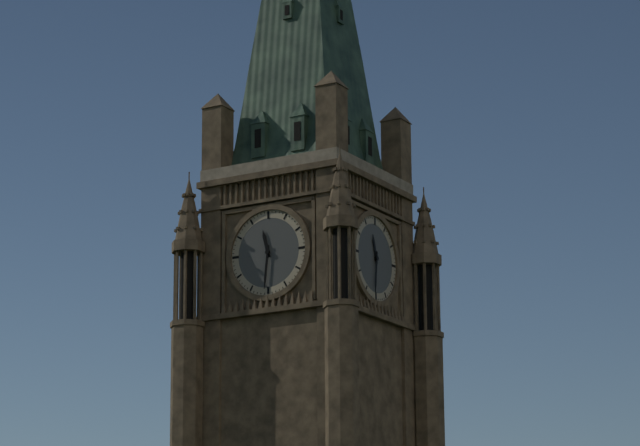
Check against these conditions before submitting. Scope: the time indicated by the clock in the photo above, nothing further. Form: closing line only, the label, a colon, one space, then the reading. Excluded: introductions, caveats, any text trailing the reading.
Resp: 11:31
